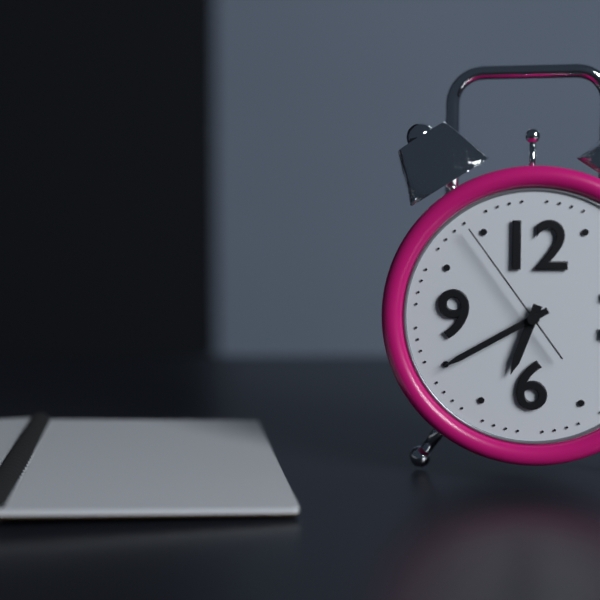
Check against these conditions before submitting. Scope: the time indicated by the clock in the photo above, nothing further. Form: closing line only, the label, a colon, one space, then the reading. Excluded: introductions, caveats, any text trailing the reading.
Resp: 6:40:54
